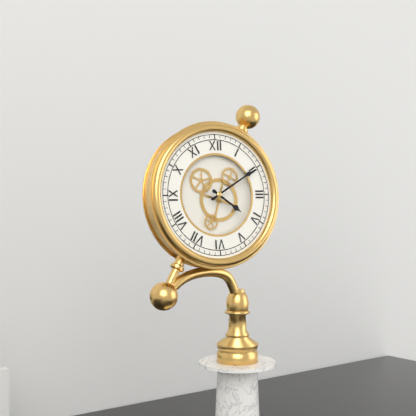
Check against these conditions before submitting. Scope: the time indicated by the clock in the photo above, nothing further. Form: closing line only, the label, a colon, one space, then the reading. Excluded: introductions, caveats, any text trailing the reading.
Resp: 4:10
